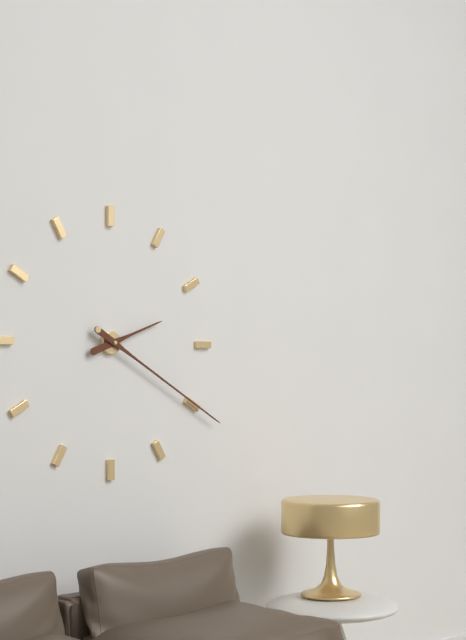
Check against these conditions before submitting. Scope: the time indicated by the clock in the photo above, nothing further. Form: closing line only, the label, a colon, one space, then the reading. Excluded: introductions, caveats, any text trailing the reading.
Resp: 2:20
